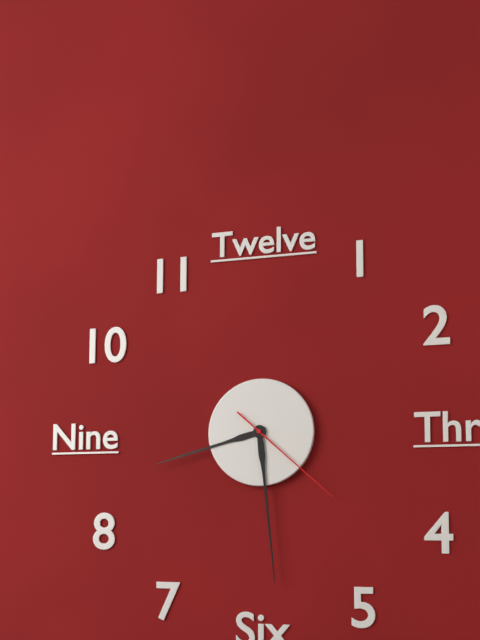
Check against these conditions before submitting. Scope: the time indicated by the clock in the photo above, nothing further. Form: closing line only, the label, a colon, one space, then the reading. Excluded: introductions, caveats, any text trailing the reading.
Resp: 8:29:22
